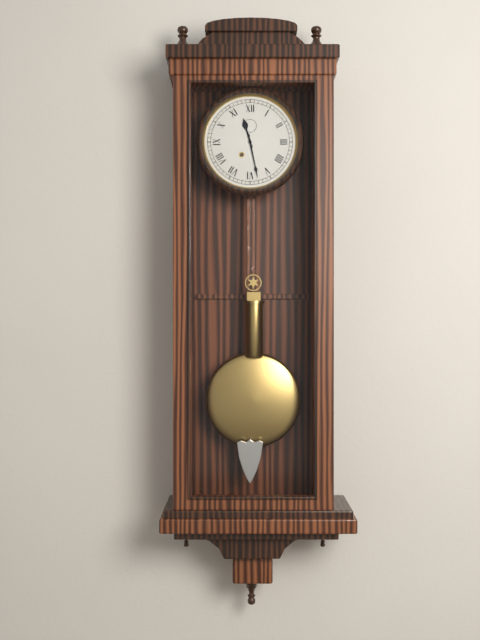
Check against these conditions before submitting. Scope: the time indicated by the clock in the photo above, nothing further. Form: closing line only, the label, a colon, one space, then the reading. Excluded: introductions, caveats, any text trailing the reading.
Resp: 11:28
